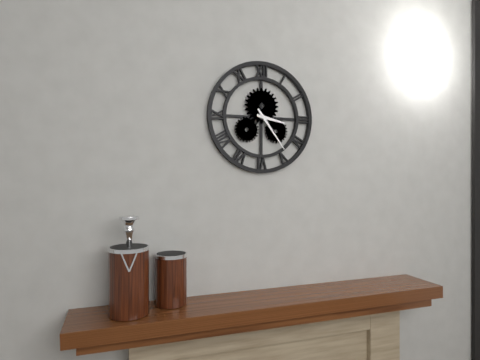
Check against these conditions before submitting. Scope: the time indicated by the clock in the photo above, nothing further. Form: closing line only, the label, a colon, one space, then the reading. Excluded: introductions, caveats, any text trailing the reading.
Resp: 3:24
